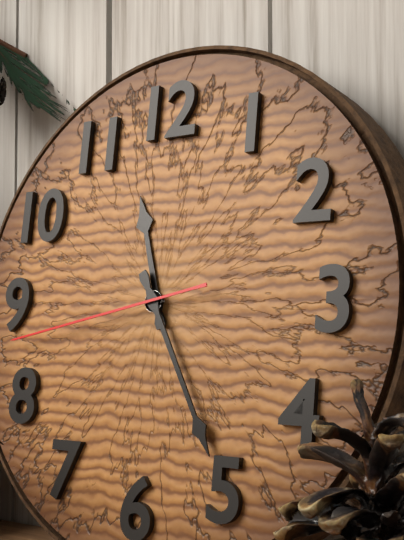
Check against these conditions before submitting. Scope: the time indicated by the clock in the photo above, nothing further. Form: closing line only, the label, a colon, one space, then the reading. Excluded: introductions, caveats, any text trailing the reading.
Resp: 11:25:43
